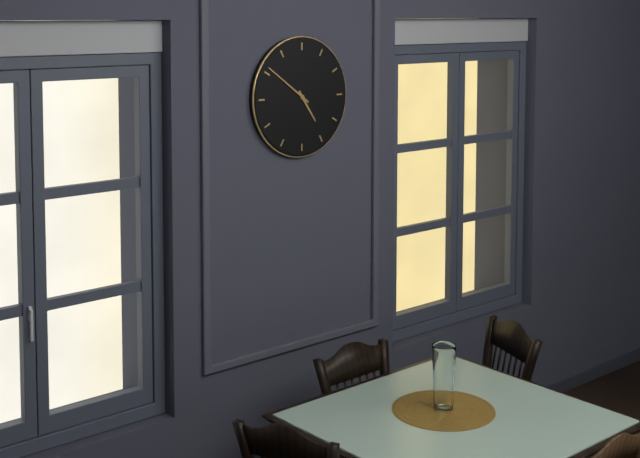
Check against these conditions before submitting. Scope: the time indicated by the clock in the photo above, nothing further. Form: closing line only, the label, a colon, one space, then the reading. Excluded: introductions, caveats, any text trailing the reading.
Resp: 4:51
